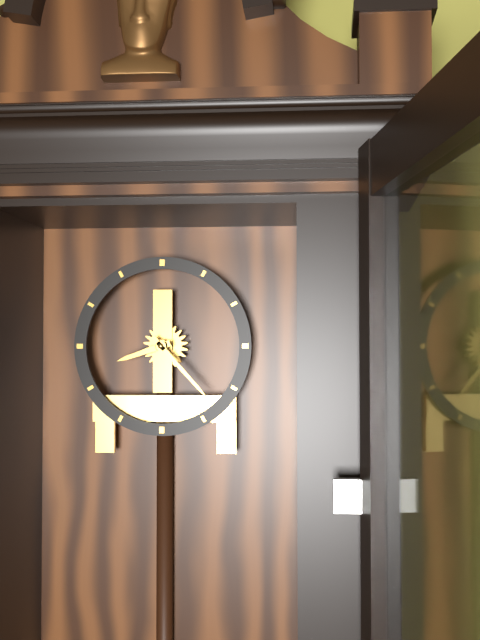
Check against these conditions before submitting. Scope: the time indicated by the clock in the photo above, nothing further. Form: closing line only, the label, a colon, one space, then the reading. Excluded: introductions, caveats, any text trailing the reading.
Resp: 8:23
